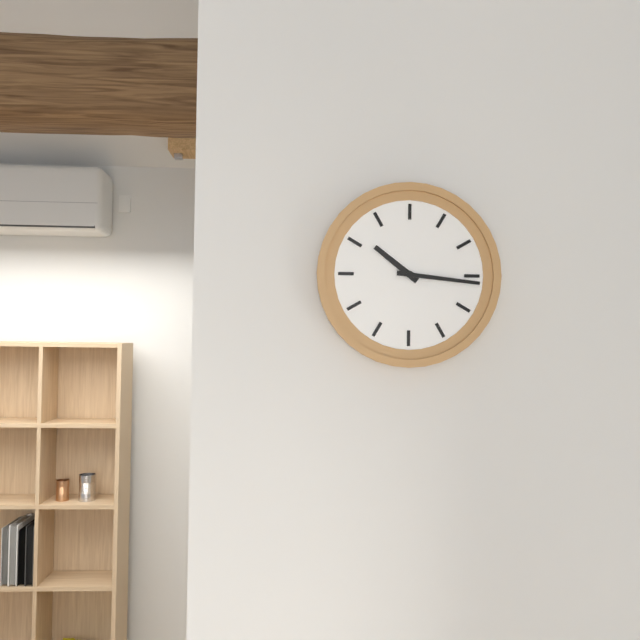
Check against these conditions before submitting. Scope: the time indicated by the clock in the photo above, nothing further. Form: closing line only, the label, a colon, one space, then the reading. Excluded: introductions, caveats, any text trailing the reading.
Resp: 10:16
